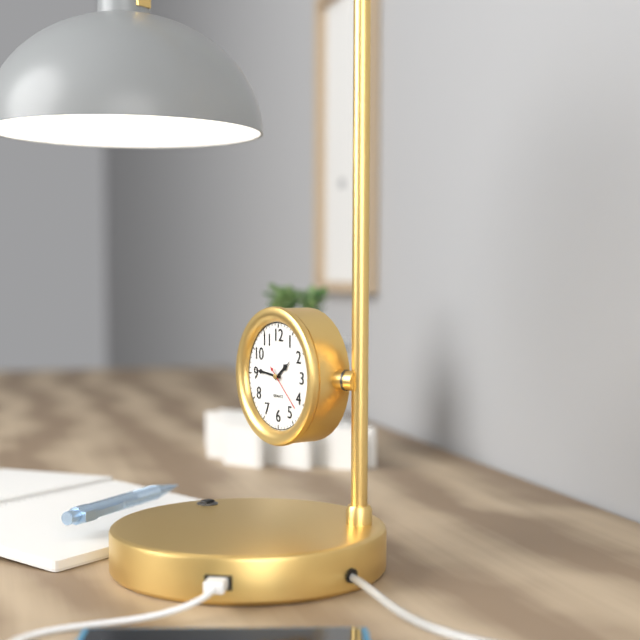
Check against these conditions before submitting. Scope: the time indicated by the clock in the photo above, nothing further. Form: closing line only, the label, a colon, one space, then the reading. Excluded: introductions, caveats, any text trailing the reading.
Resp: 1:46
